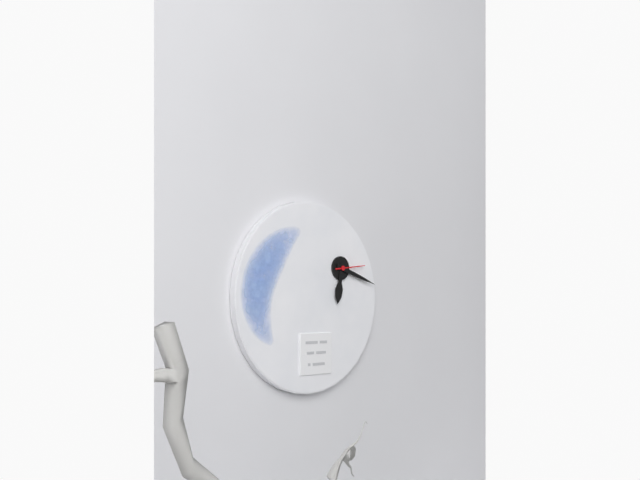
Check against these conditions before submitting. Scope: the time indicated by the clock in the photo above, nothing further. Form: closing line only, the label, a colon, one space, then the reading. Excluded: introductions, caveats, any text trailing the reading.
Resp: 6:18
